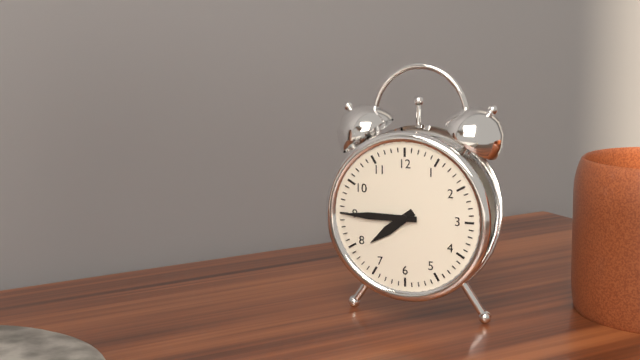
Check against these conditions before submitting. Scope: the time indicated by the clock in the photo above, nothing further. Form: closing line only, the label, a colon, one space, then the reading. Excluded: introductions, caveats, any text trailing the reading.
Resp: 7:45
